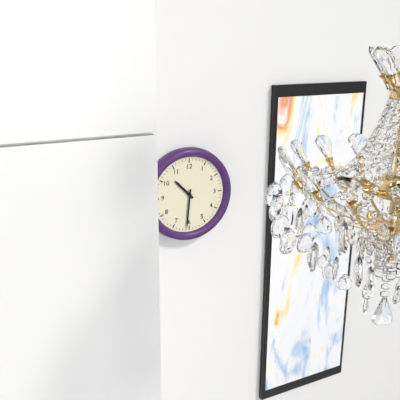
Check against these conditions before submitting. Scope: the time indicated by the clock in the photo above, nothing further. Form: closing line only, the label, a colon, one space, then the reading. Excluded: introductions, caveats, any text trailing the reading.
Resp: 10:31
